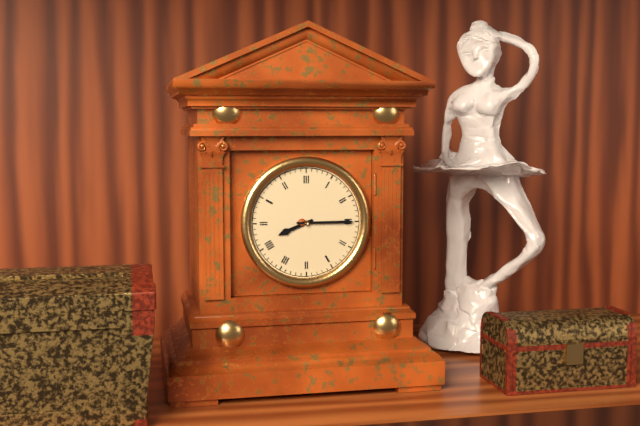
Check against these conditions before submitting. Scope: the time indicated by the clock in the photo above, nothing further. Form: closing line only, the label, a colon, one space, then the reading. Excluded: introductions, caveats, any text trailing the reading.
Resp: 8:15
